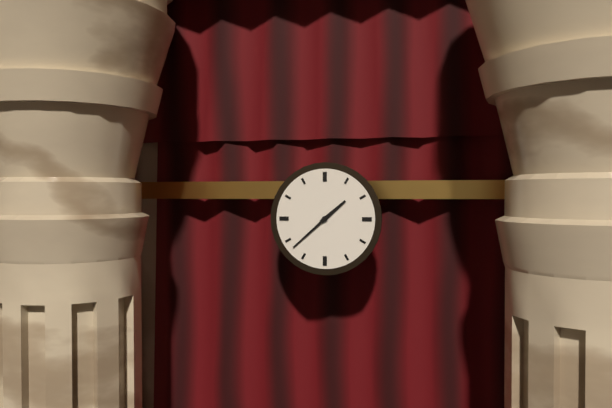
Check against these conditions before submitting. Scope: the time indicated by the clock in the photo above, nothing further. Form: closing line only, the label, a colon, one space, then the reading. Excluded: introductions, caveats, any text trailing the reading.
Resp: 1:38
